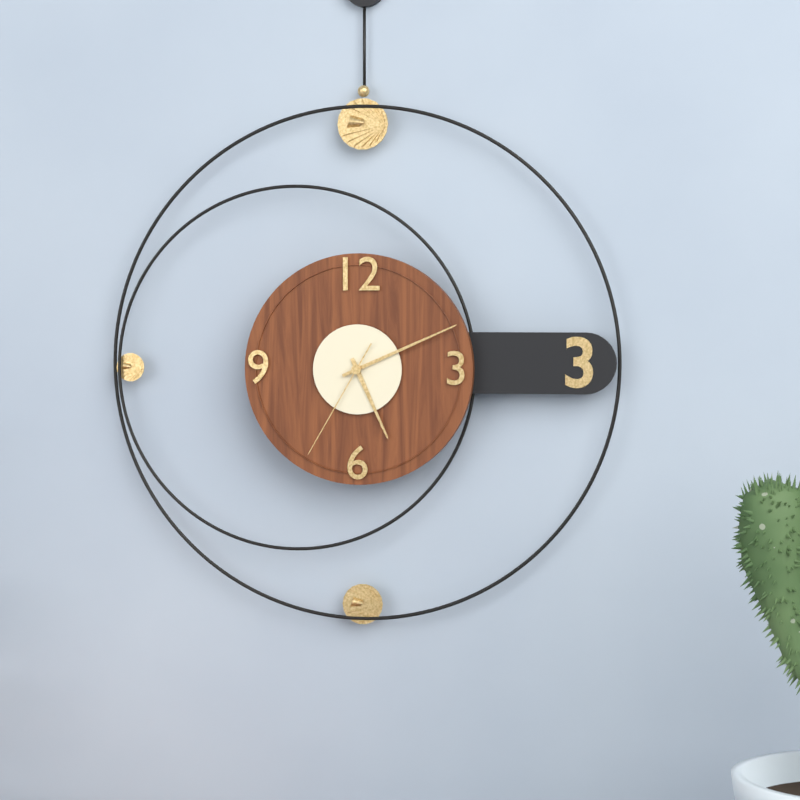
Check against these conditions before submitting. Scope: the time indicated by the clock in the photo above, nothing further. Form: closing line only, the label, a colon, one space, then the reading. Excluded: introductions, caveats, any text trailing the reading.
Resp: 5:11:35
